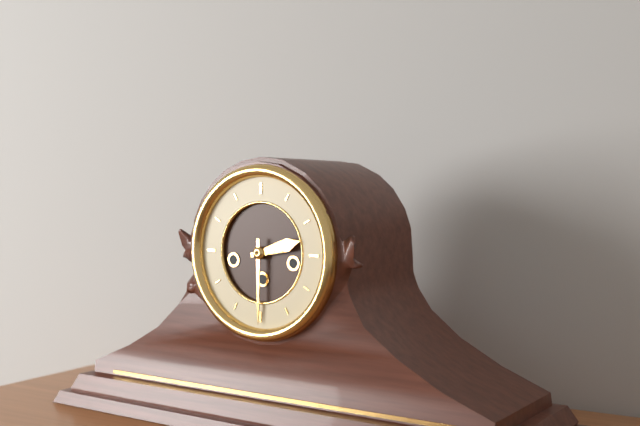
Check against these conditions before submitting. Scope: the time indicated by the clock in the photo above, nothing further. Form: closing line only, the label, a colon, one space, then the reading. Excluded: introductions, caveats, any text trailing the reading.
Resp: 2:30
